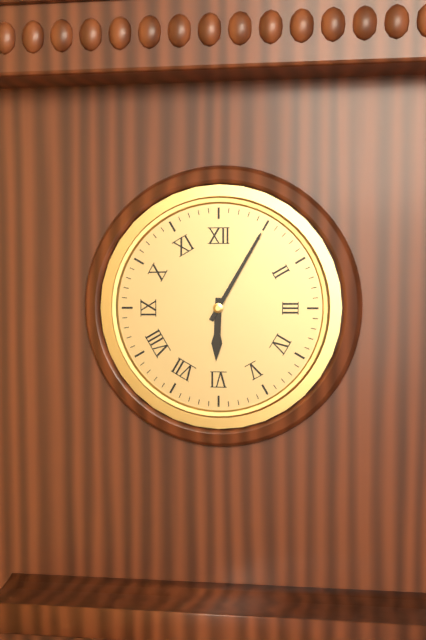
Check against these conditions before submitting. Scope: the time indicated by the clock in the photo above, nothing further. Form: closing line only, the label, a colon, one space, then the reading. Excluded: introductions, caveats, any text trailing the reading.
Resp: 6:05
